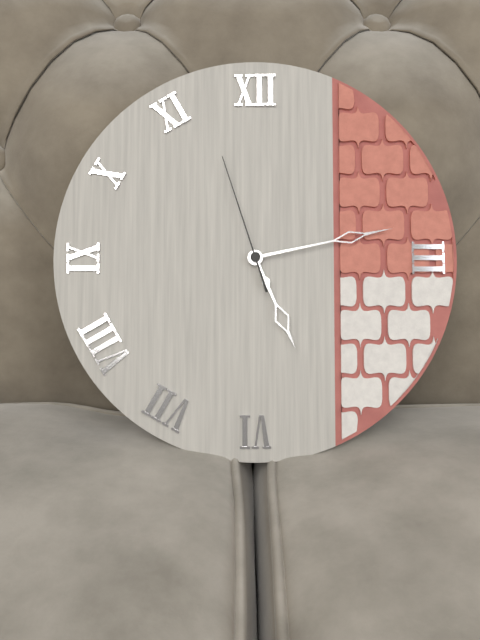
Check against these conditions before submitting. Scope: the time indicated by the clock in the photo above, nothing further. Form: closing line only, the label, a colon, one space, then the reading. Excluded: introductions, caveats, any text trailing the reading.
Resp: 5:13:57
